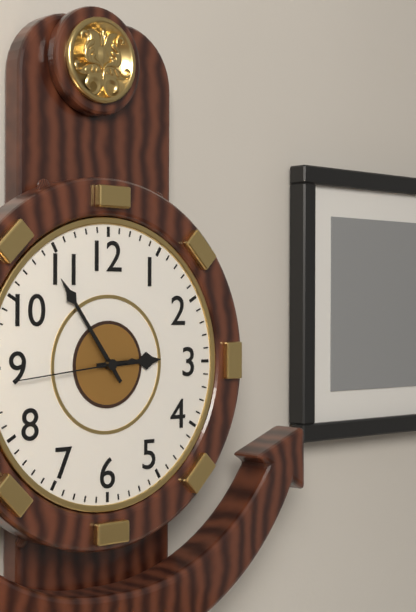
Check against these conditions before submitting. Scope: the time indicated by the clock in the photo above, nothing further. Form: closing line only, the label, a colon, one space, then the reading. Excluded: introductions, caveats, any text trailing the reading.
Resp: 2:54:44
